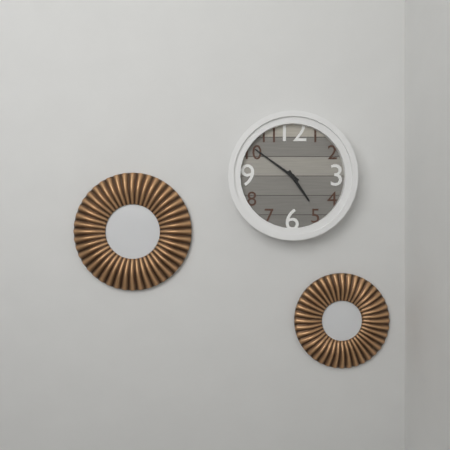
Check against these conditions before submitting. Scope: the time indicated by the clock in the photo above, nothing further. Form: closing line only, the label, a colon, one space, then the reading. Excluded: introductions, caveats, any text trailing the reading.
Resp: 4:51
